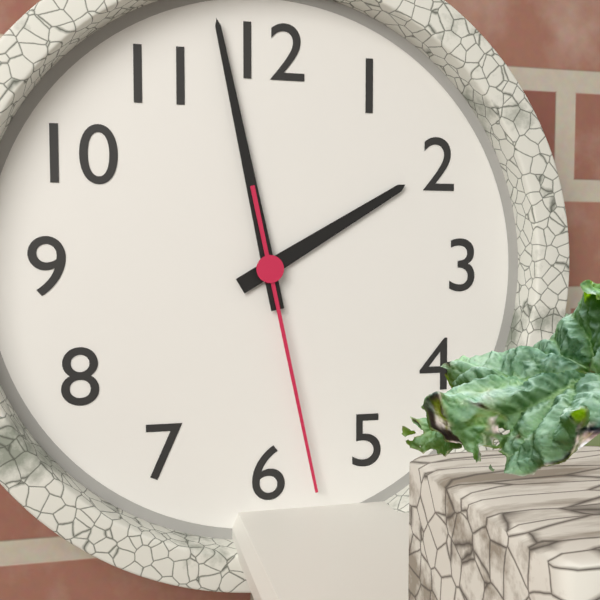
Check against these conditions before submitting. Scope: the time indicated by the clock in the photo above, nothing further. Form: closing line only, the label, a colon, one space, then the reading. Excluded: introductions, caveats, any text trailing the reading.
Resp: 1:58:28
